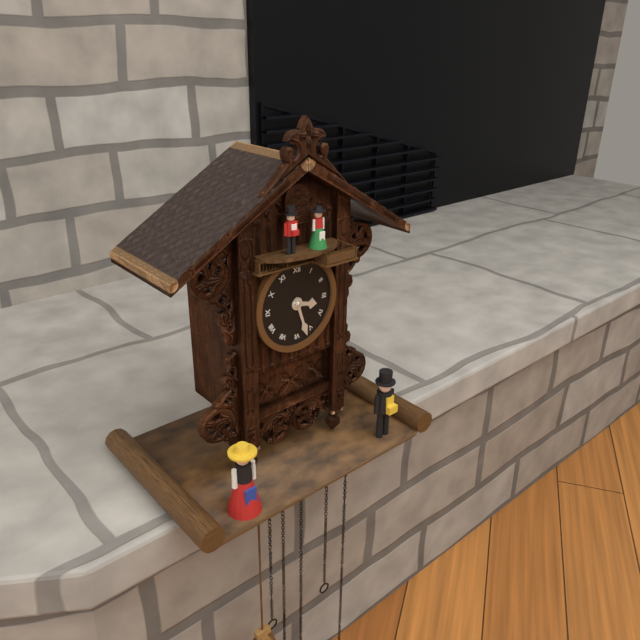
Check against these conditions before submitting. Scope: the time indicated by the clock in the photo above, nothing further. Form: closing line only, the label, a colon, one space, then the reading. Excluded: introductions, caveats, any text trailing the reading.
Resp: 3:27
